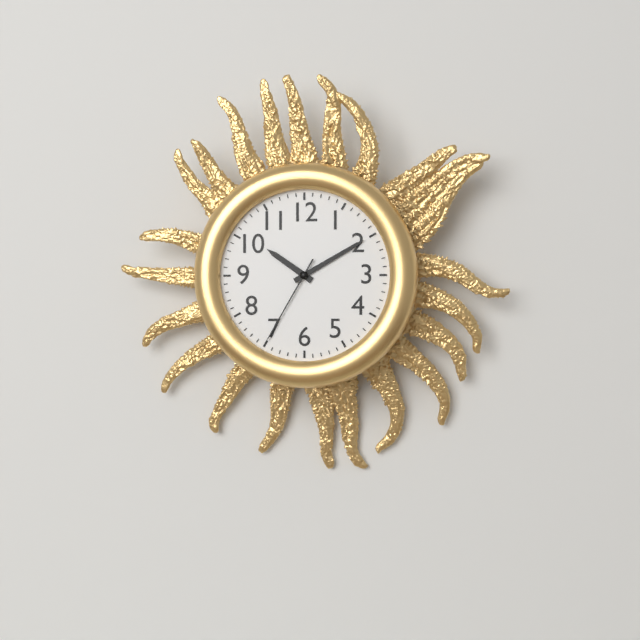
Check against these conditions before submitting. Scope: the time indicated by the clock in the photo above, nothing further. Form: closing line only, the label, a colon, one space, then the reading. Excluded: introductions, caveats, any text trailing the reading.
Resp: 10:10:35
